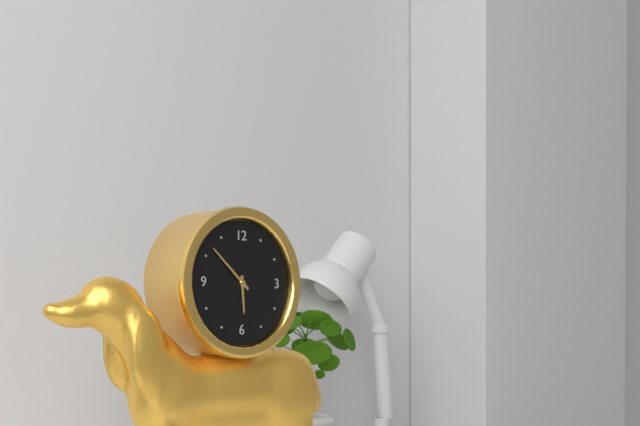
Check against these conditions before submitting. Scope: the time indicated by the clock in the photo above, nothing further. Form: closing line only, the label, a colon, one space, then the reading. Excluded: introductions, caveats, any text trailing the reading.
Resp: 5:52
